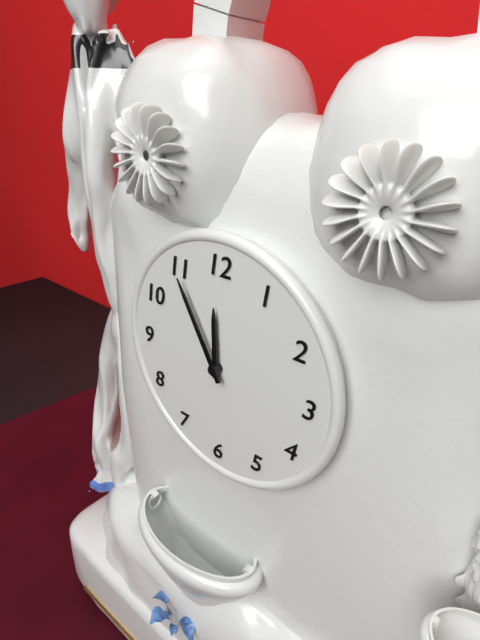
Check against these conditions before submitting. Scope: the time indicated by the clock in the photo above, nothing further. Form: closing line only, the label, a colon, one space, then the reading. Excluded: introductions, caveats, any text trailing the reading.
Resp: 11:55
